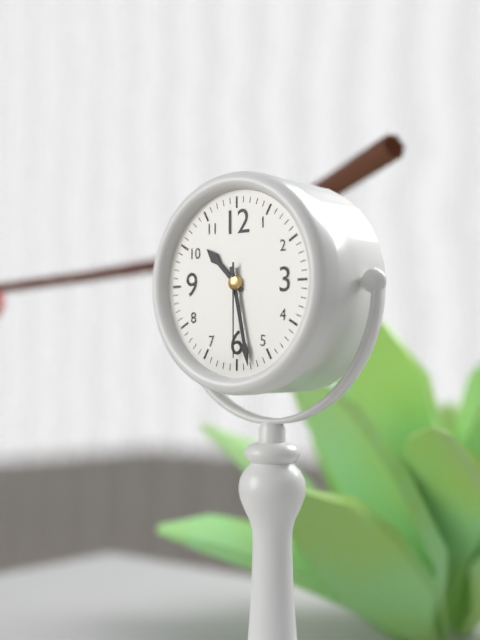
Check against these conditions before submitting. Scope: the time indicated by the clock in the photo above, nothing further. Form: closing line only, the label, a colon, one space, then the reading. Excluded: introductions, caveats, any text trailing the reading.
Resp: 10:28:30
